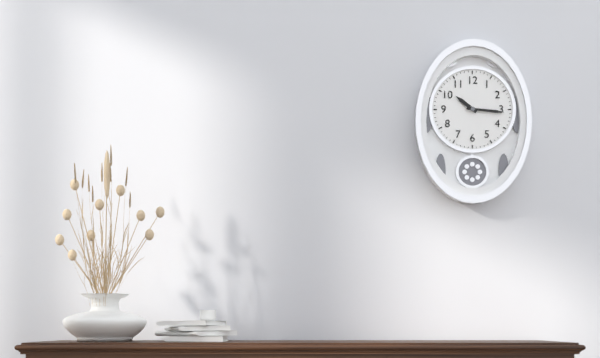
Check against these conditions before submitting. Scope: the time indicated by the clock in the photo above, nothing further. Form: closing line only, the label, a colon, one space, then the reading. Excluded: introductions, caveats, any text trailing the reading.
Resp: 10:16
